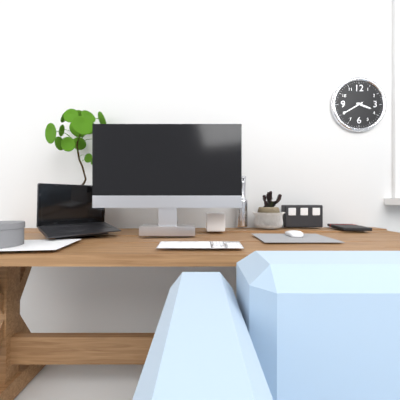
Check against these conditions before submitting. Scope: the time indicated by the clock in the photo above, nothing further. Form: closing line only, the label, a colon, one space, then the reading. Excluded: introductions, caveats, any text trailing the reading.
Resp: 3:40
